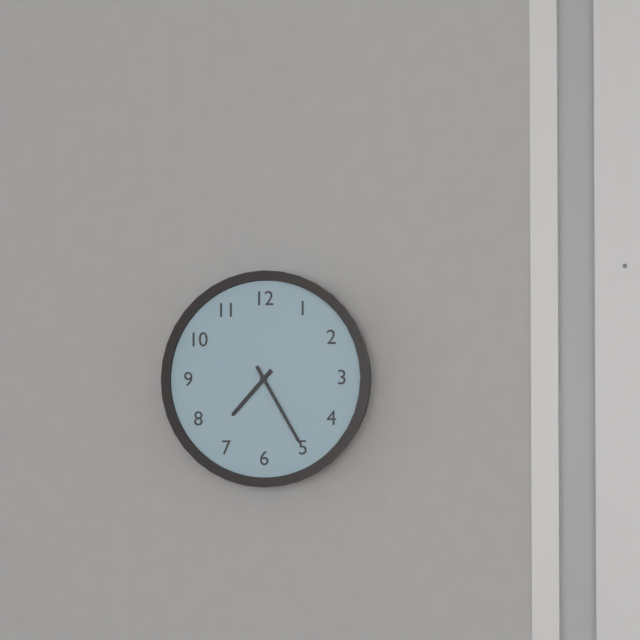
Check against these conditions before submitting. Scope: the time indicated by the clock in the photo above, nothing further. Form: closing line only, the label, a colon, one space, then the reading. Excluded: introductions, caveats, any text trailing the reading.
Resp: 7:25
